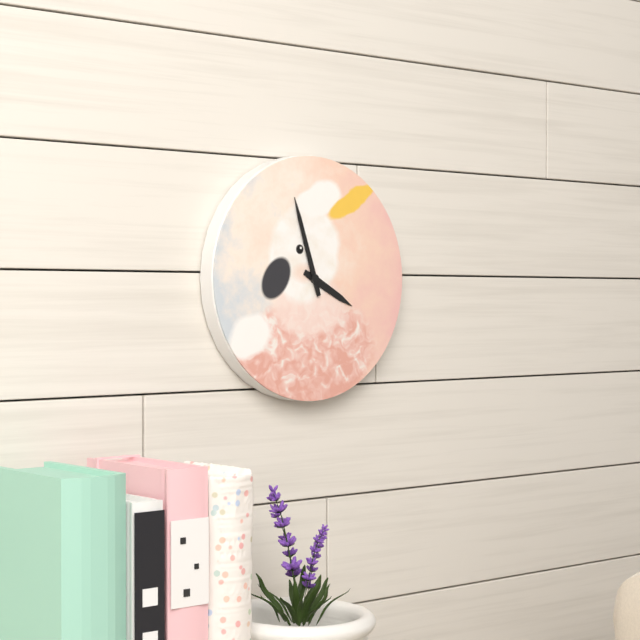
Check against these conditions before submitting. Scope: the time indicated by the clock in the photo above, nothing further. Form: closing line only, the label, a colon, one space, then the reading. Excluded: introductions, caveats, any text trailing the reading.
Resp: 3:57
